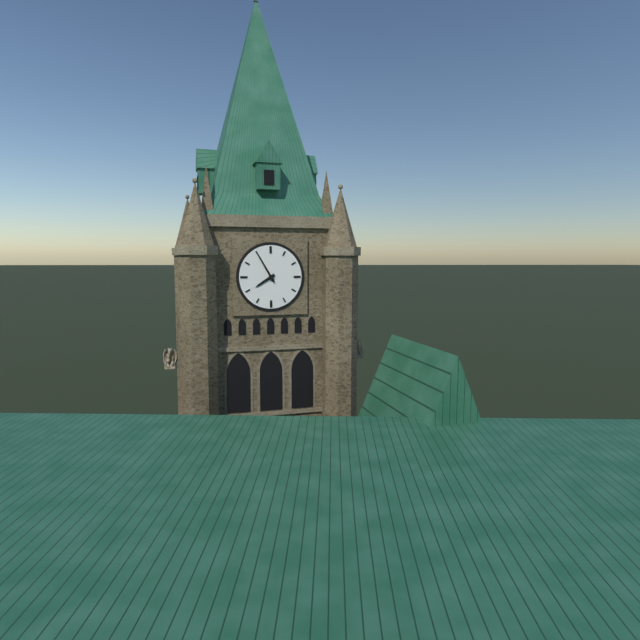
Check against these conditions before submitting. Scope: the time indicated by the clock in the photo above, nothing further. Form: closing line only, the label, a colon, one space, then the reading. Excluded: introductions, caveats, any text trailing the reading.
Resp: 7:55
